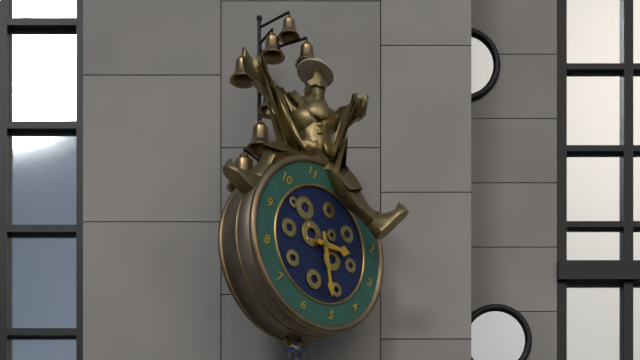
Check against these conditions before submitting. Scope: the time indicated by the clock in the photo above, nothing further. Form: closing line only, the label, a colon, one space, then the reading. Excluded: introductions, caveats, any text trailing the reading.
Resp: 2:25
